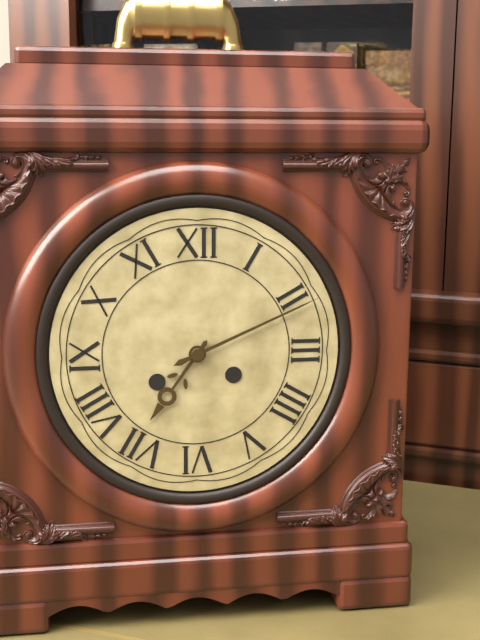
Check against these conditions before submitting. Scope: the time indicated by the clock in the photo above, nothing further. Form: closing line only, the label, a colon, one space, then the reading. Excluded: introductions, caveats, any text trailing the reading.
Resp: 7:11
